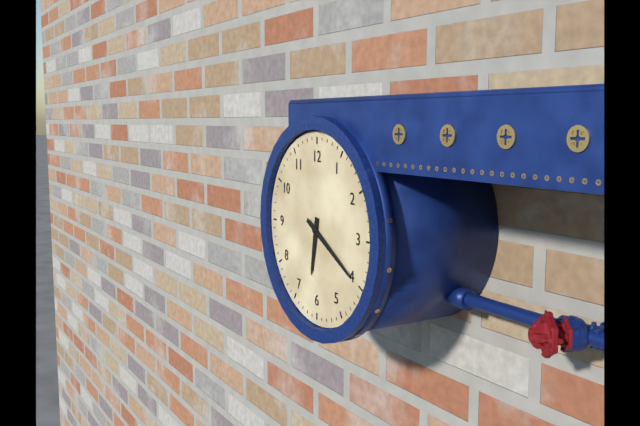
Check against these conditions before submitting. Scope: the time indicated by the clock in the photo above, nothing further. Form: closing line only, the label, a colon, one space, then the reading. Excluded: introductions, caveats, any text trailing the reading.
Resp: 6:20
